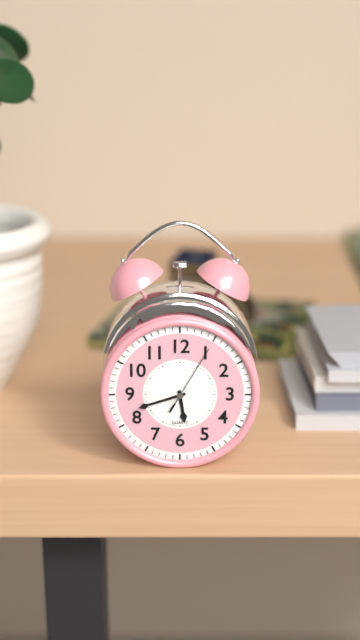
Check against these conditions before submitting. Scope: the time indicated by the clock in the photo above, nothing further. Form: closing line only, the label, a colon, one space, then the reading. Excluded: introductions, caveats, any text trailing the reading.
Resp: 5:42:05
